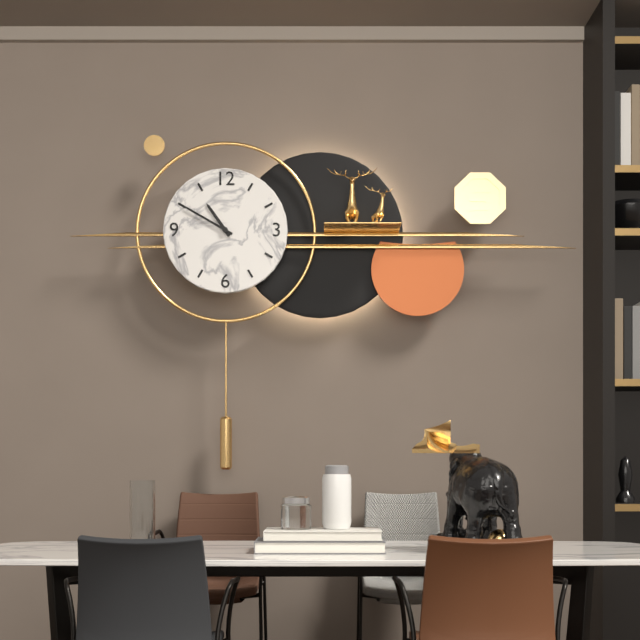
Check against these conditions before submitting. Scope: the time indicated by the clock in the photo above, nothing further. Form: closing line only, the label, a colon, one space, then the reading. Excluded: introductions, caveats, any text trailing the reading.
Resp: 10:50
